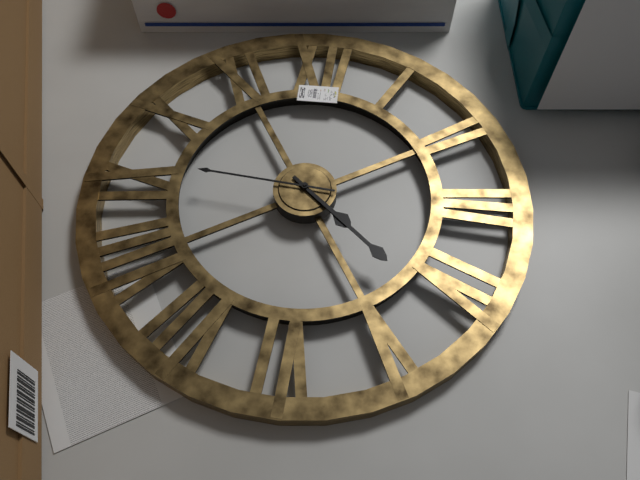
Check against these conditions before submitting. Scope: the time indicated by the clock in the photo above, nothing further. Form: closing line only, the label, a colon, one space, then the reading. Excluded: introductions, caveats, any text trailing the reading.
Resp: 4:22:46
